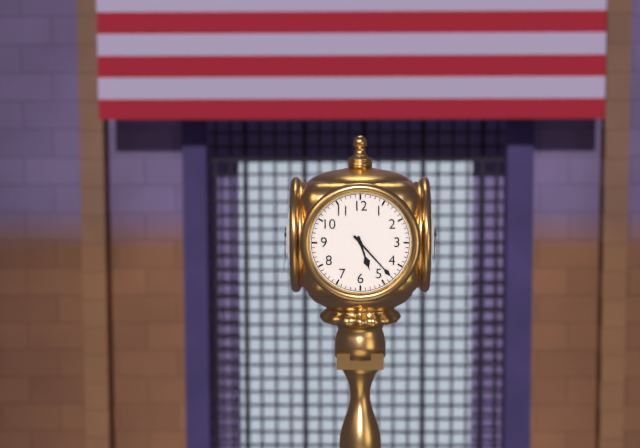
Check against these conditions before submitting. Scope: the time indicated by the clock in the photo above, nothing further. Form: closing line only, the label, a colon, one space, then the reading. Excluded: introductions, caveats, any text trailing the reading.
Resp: 5:23
